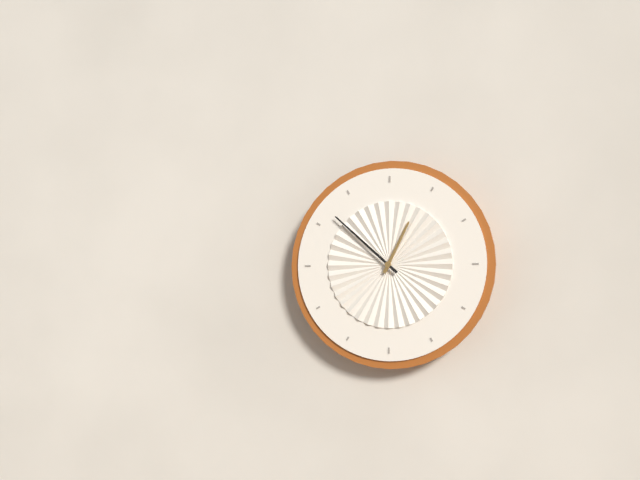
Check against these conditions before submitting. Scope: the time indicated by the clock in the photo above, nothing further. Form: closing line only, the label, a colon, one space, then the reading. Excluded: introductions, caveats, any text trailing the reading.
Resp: 12:52
